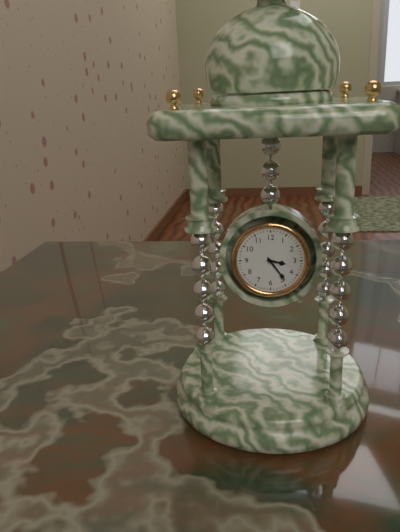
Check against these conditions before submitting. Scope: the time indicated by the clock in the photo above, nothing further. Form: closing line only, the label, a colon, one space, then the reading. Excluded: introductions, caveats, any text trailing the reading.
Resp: 3:24
